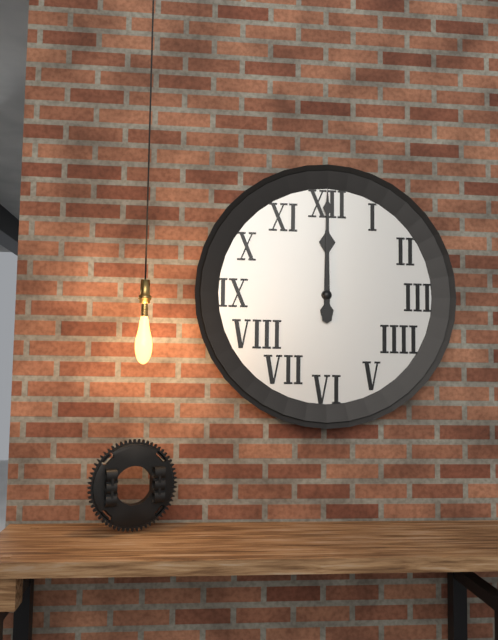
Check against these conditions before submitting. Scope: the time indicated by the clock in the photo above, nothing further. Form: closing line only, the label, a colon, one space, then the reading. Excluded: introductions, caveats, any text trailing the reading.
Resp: 12:00
